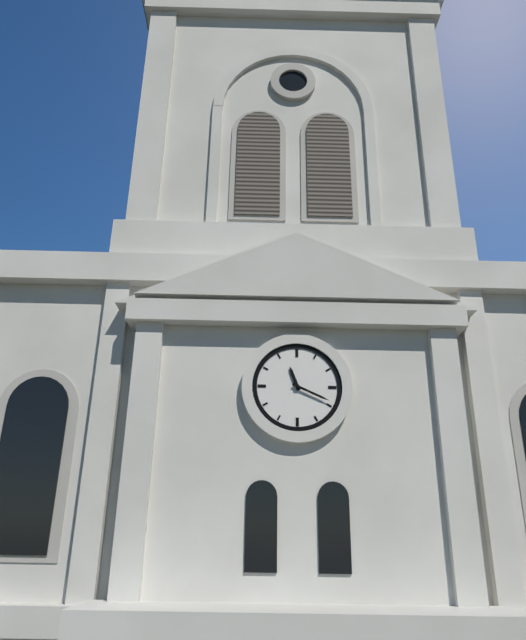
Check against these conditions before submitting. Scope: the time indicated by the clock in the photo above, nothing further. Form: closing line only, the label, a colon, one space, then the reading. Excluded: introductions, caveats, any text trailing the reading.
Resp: 11:19
